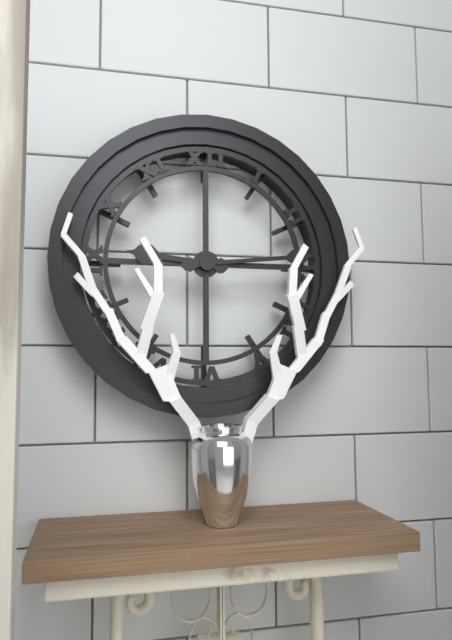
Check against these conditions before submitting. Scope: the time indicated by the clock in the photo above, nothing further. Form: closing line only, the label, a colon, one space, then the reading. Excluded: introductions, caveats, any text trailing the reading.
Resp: 9:14
